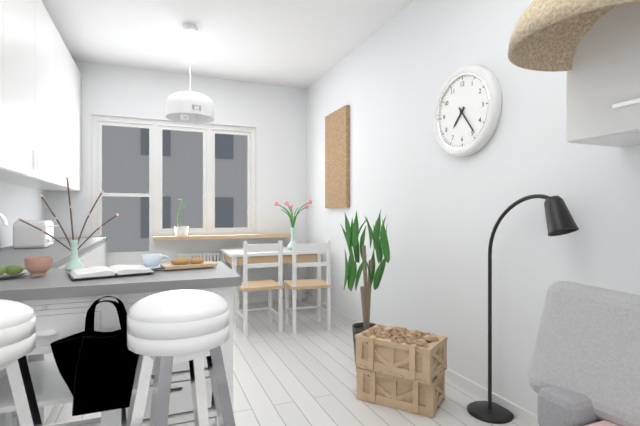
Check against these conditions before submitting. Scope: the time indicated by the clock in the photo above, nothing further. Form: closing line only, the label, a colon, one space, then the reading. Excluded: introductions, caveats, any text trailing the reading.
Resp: 7:24
